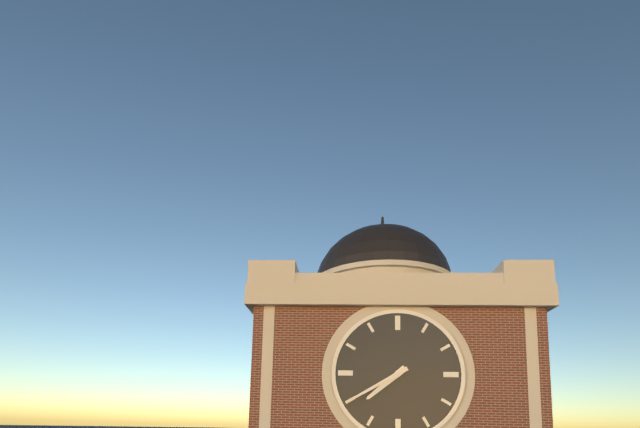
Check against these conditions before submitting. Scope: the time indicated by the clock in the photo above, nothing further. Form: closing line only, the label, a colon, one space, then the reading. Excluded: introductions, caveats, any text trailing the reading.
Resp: 7:40
